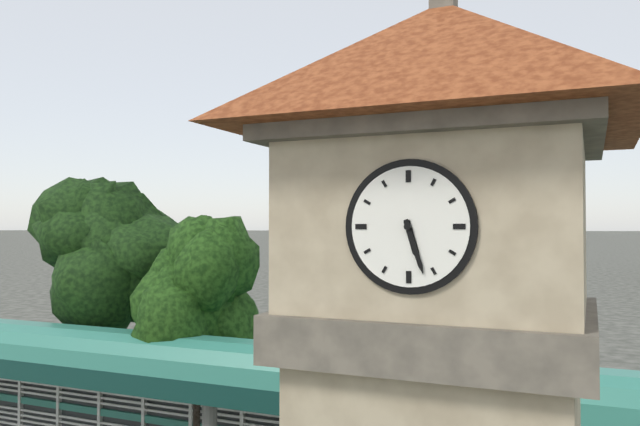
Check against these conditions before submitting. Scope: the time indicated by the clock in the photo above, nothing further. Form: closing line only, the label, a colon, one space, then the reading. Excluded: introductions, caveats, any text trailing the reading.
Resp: 5:27
